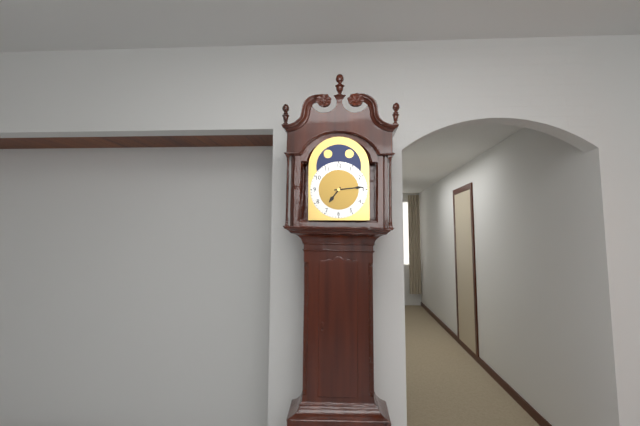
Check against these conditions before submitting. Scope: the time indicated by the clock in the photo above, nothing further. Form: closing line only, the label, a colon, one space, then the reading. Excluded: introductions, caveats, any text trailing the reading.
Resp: 7:14
